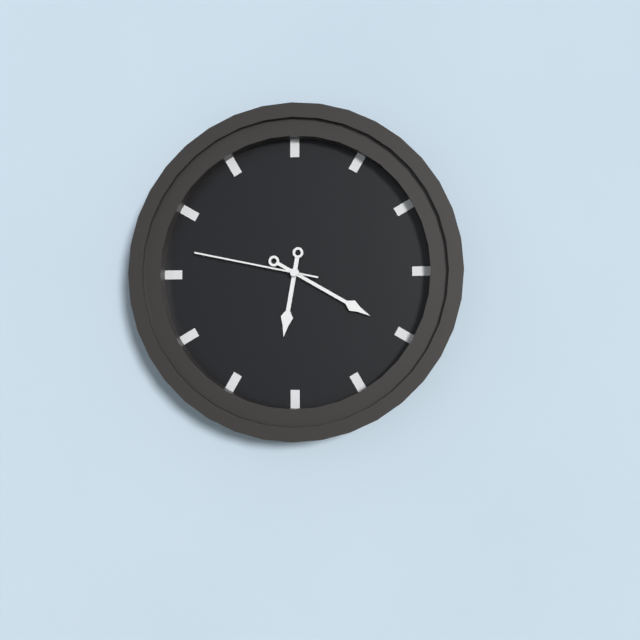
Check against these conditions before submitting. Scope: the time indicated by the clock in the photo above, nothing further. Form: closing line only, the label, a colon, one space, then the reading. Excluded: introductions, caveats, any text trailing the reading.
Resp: 6:20:47
